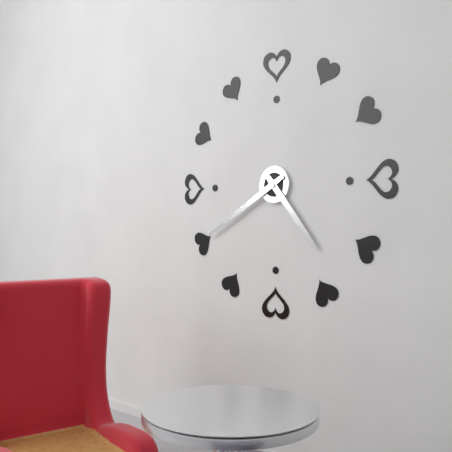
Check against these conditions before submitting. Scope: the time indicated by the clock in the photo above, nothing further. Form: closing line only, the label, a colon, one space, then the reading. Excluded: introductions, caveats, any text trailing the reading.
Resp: 4:40
